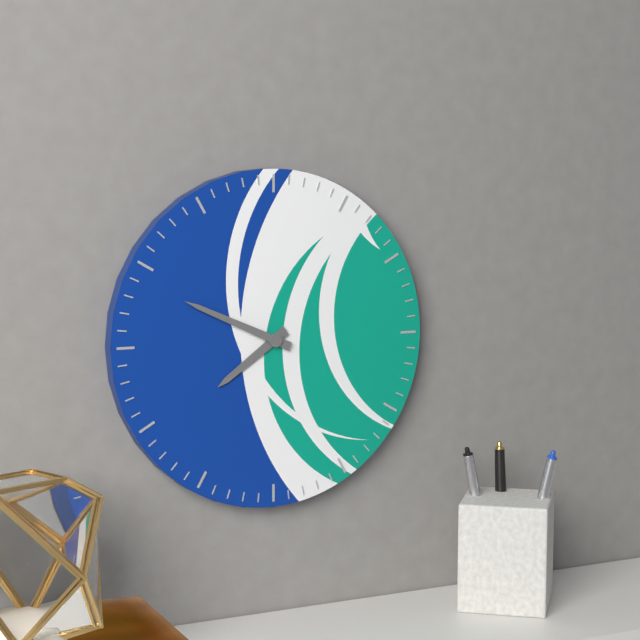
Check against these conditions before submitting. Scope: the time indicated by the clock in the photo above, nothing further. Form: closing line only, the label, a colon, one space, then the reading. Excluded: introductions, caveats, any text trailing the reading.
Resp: 7:49
